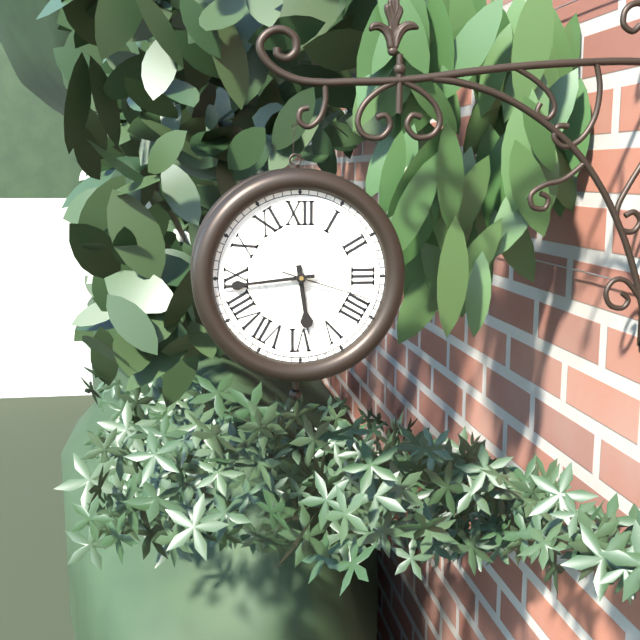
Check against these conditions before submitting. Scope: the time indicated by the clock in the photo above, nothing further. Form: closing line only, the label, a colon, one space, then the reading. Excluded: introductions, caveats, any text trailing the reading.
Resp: 5:44:18
